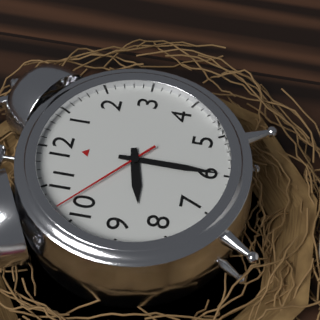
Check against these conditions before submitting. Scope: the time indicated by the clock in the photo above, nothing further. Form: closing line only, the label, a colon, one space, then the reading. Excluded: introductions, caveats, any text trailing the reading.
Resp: 8:30:52
